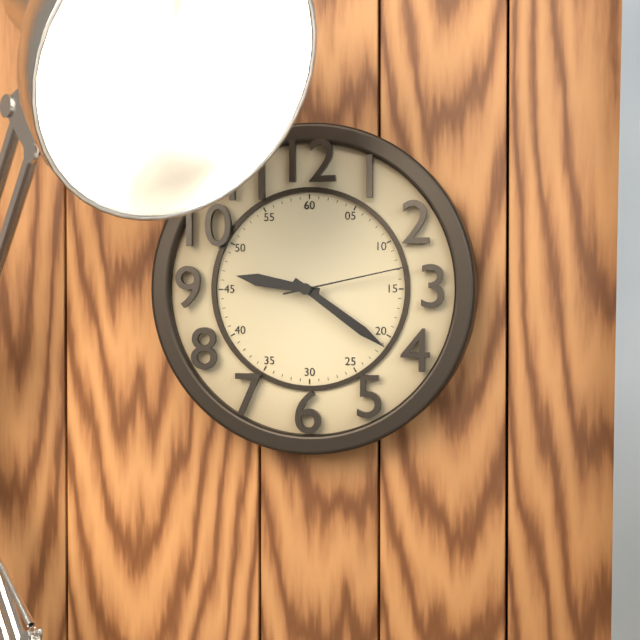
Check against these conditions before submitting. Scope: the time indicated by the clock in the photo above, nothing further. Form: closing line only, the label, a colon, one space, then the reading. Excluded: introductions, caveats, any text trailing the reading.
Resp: 9:21:13
